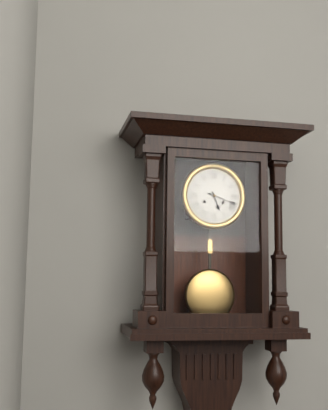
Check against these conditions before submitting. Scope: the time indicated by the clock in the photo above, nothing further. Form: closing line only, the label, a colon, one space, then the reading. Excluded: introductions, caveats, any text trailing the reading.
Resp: 5:18
